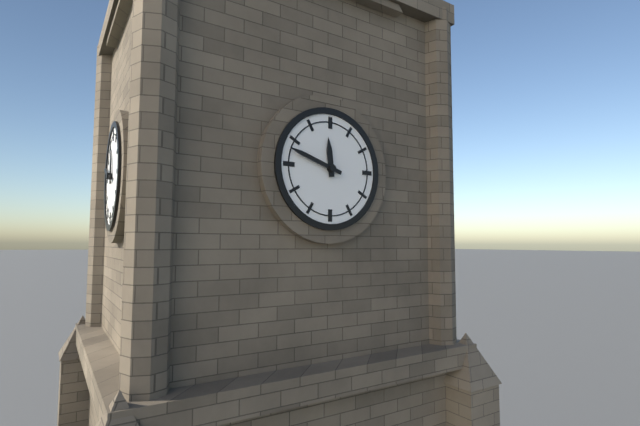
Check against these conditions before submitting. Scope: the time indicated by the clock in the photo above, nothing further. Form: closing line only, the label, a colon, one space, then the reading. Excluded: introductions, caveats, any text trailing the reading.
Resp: 11:48
